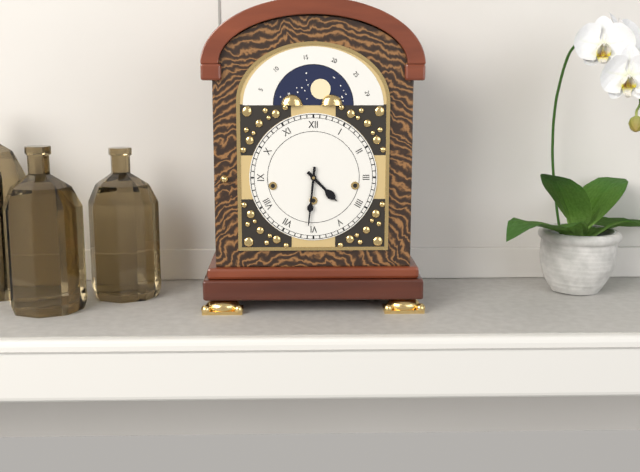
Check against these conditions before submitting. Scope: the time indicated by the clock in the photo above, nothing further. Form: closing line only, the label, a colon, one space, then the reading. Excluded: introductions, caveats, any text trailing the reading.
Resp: 4:31
